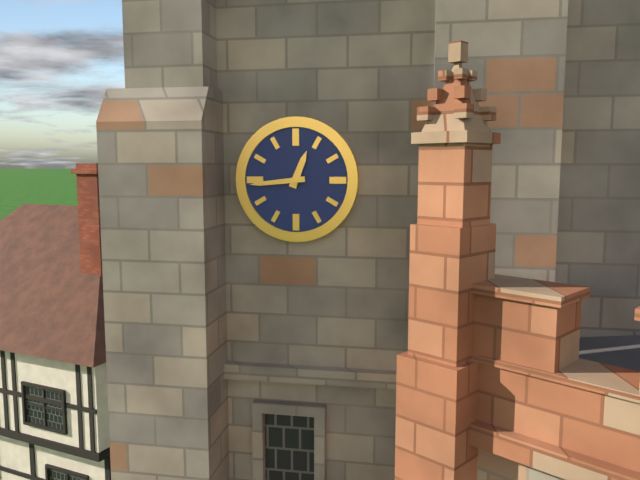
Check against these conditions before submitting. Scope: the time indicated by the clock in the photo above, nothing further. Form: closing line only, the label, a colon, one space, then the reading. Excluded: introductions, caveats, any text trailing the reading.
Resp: 12:44
